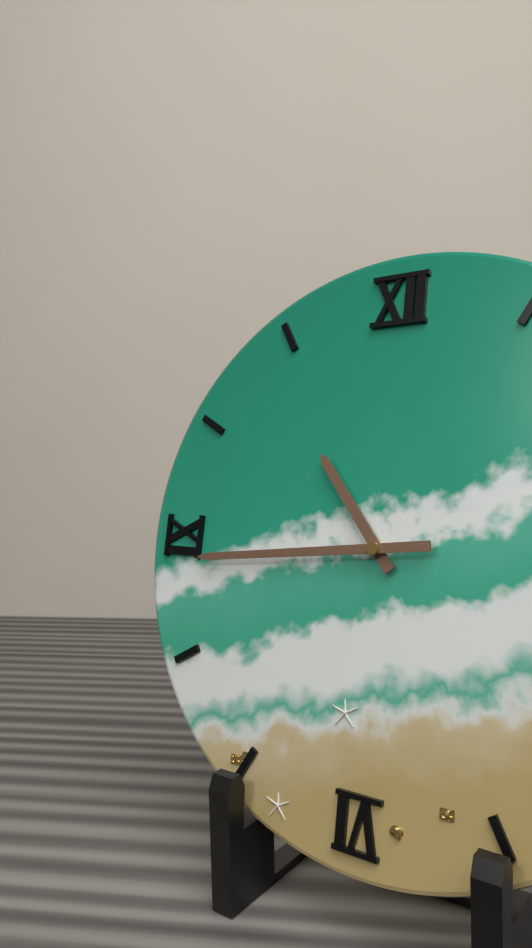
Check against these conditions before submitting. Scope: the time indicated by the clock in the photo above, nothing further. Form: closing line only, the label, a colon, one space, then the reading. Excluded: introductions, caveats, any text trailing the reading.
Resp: 10:44
